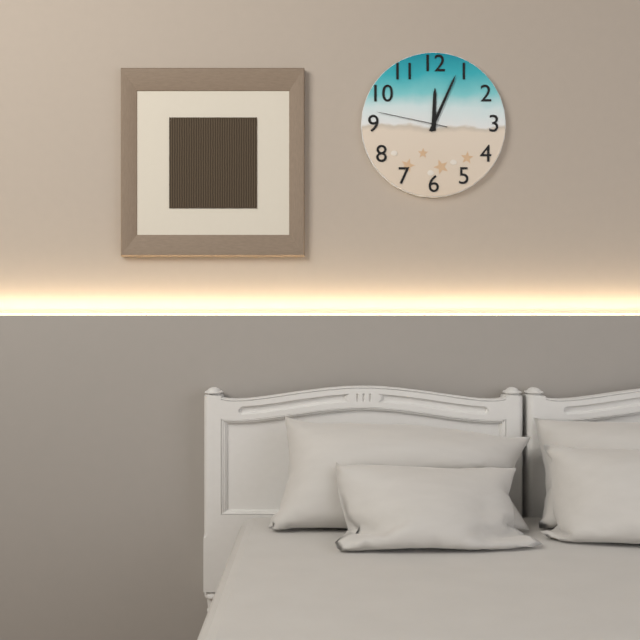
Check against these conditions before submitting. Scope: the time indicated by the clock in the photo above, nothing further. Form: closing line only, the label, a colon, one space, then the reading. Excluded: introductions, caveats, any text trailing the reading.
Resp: 12:04:47
